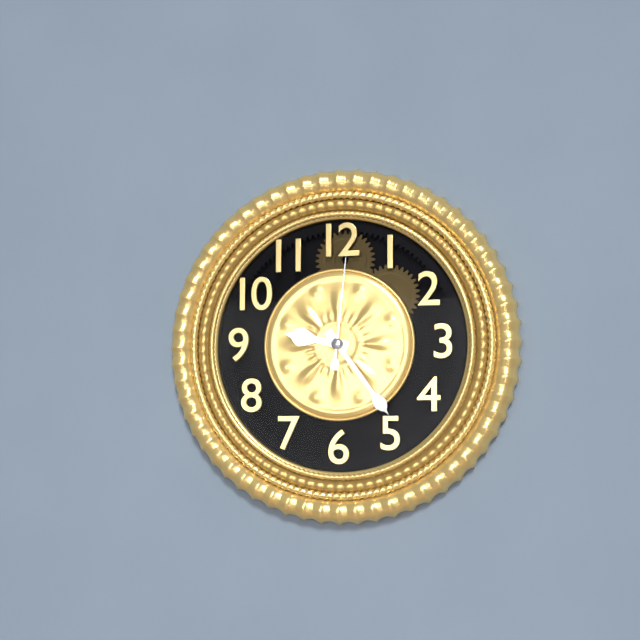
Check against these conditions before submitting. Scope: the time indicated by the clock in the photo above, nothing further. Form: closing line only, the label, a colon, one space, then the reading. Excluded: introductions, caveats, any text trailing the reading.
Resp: 9:24:01
